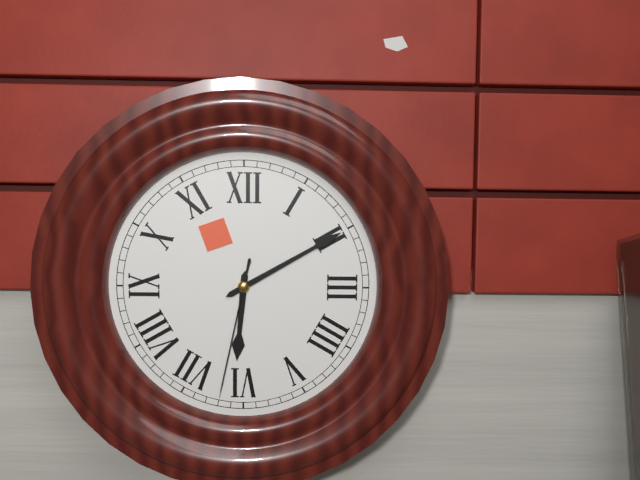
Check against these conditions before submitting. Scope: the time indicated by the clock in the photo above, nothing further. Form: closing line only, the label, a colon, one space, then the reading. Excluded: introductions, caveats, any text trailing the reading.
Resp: 6:10:32
